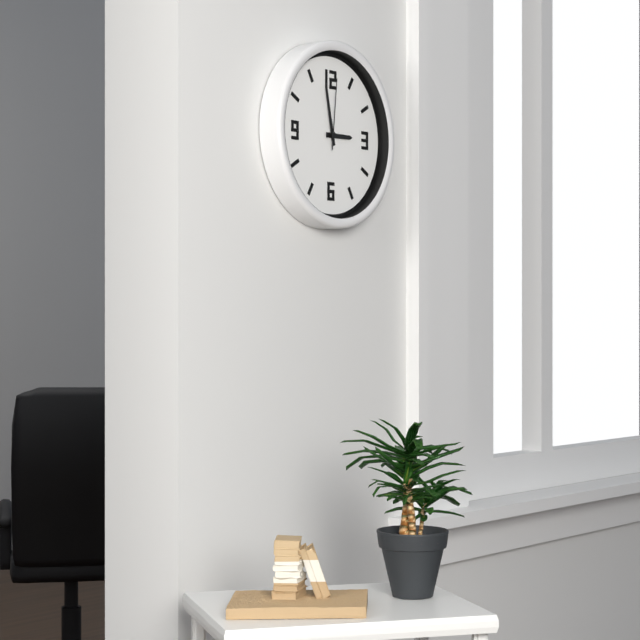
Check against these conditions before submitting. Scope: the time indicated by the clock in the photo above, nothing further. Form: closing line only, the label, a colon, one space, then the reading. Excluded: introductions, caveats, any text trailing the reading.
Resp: 2:58:01
